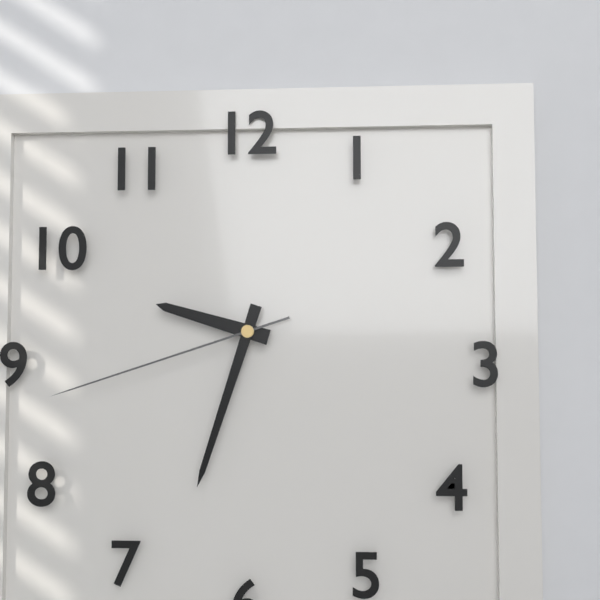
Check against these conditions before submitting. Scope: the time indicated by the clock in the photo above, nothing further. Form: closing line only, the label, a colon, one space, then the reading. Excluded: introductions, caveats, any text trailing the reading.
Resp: 9:33:42
